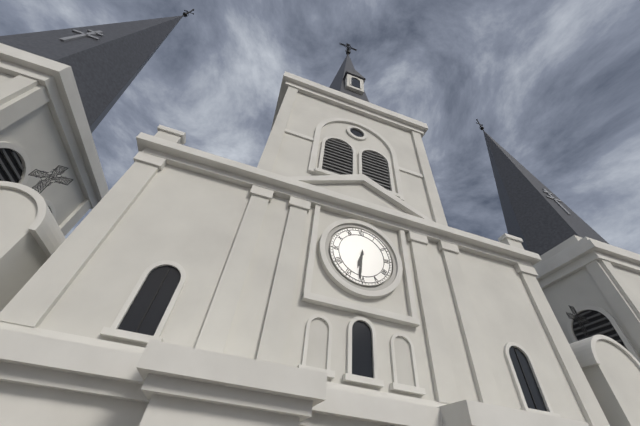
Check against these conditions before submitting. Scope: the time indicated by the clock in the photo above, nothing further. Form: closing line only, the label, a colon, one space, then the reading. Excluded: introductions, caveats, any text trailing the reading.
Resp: 6:31
